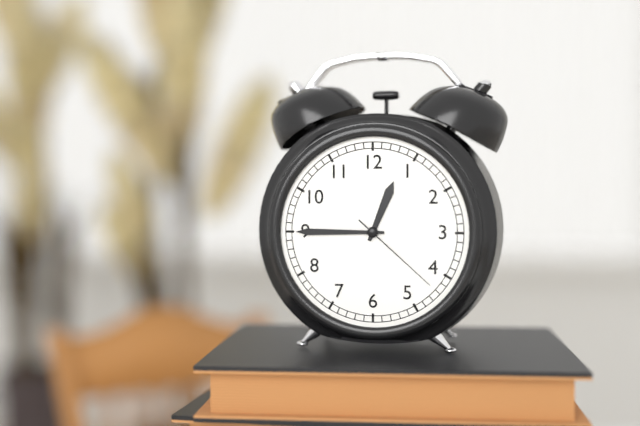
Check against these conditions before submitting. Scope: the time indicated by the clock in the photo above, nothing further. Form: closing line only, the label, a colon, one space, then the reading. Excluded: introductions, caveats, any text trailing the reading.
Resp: 12:45:22
